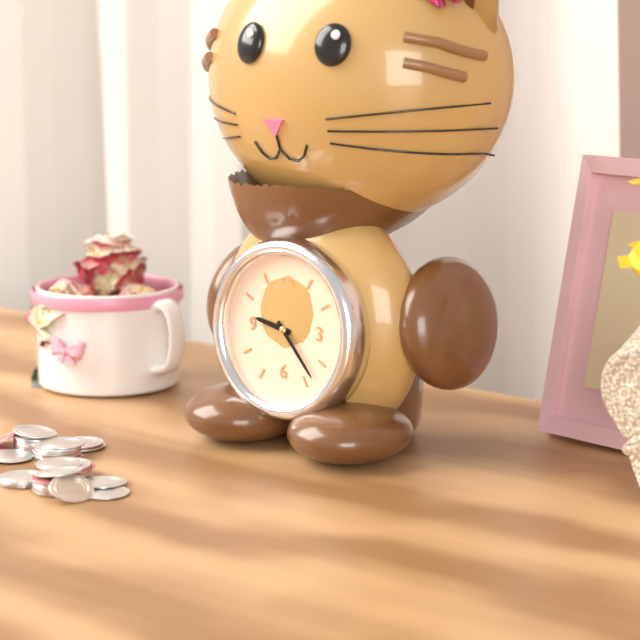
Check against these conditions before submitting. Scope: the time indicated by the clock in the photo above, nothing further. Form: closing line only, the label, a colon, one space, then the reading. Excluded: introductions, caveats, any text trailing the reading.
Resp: 9:23
